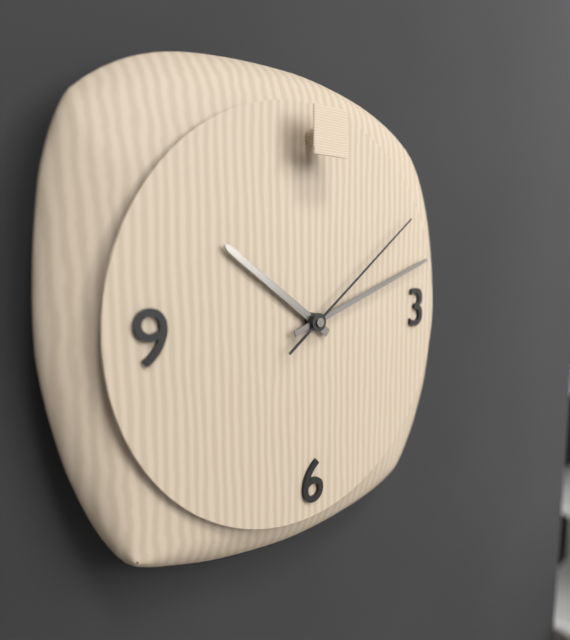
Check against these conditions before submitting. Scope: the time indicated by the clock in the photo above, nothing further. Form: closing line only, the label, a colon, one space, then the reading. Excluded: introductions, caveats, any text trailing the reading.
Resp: 10:12:09
